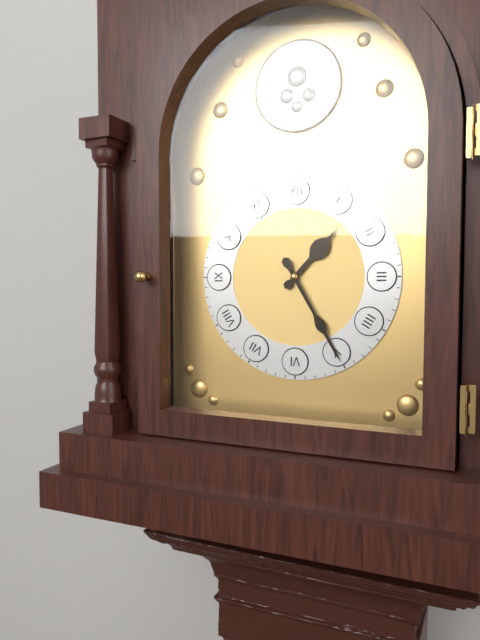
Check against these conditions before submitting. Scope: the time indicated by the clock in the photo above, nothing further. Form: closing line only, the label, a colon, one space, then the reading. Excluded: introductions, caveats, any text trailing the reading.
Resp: 1:25
